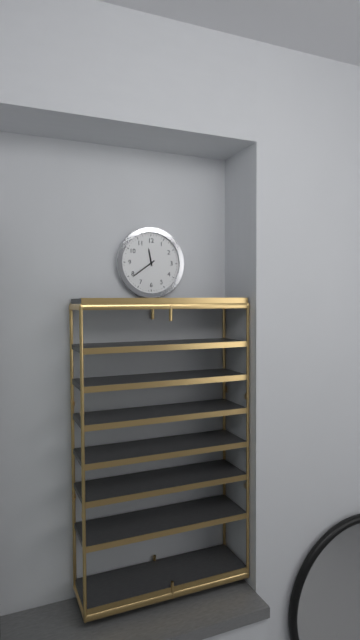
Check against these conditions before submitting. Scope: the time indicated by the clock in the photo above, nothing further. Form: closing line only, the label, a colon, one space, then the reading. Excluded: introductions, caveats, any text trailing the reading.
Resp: 11:39
